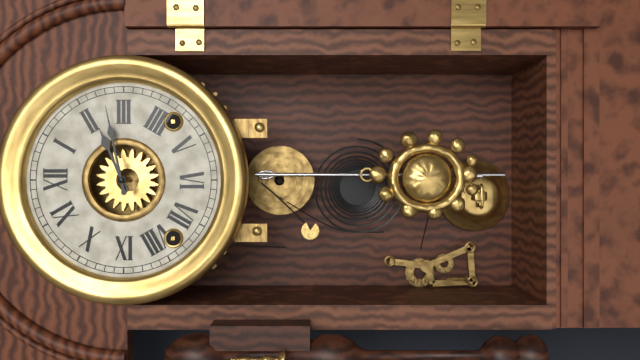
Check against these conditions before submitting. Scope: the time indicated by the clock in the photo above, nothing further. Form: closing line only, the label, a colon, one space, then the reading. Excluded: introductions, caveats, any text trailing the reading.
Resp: 2:13
